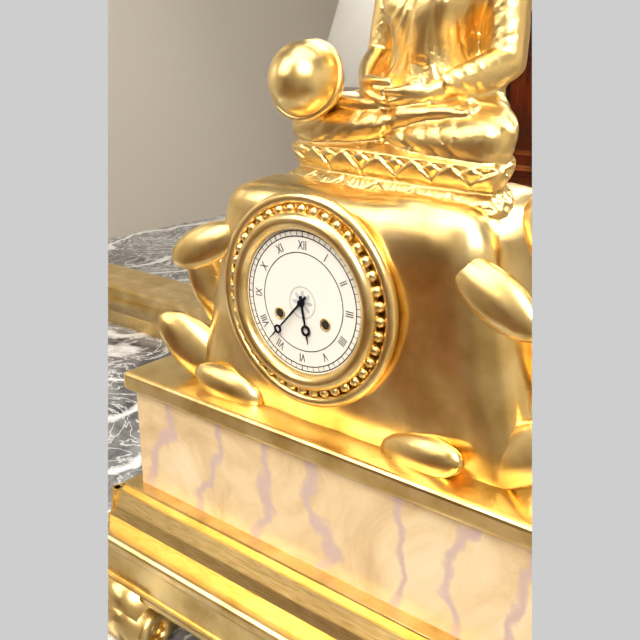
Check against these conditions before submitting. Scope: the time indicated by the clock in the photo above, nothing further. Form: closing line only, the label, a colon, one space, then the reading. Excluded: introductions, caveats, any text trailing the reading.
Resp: 5:37
